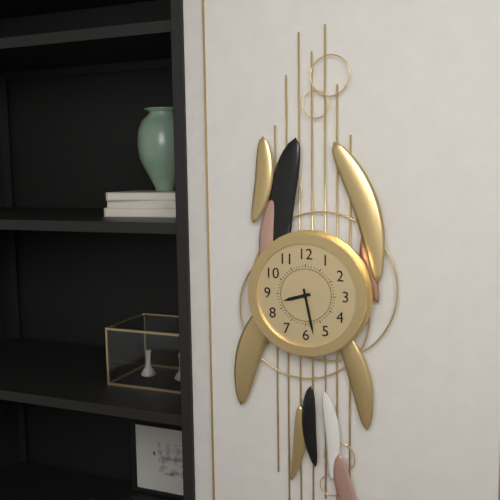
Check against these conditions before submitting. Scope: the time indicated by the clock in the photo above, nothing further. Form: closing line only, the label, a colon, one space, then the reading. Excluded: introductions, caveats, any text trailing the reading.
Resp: 8:28
